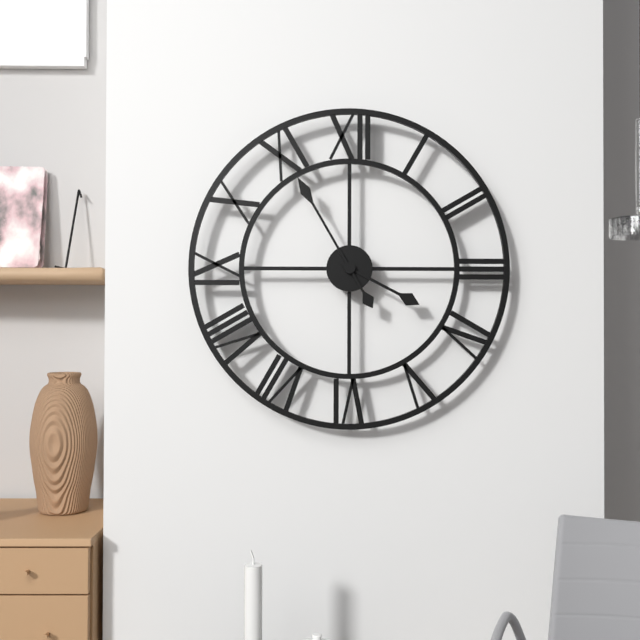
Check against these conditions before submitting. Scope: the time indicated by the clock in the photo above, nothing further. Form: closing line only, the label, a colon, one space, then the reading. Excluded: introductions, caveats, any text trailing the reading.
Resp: 3:55
